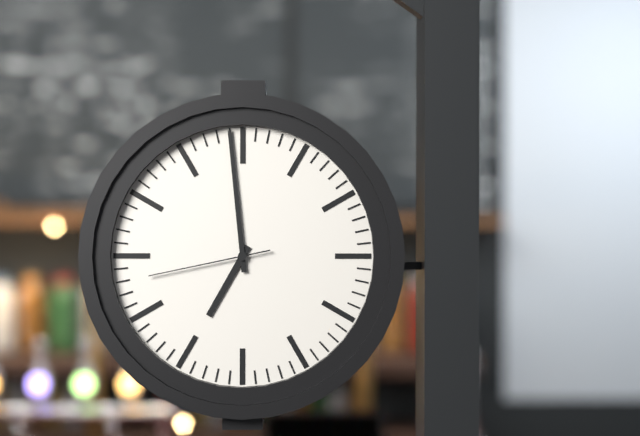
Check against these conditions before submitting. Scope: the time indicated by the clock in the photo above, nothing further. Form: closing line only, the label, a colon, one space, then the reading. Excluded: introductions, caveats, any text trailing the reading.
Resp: 6:59:43
